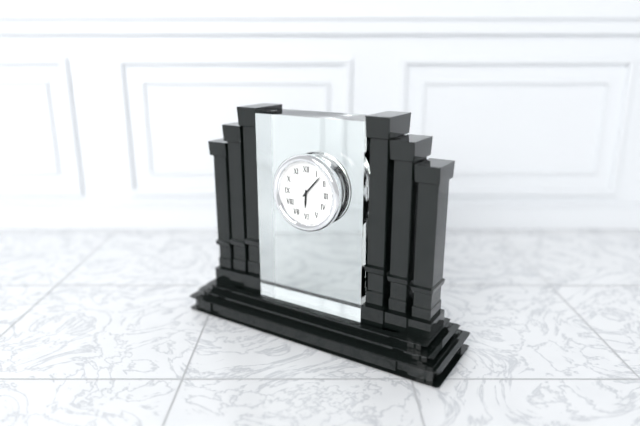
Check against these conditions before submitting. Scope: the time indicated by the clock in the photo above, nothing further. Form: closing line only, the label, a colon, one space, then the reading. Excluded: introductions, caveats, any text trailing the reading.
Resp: 6:07
